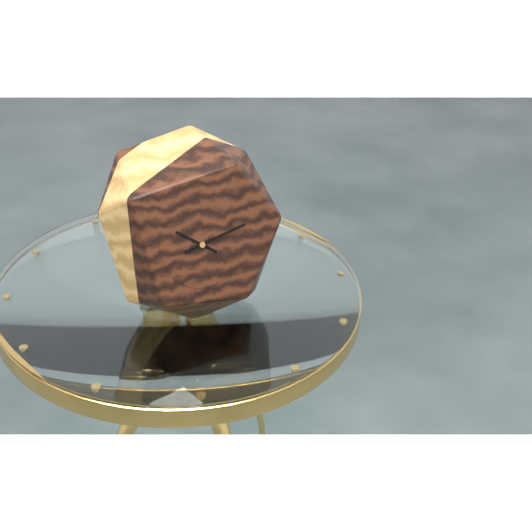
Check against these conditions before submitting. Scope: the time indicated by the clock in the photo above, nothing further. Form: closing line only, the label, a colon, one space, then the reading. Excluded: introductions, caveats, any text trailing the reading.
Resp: 10:13
